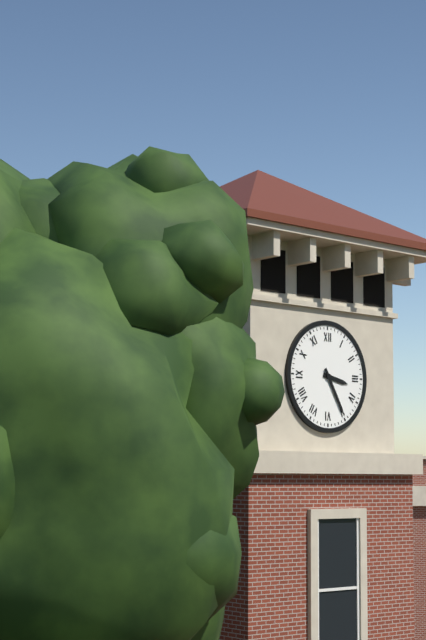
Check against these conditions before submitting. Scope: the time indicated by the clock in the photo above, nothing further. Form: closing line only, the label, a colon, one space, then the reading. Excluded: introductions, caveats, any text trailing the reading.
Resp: 3:25
